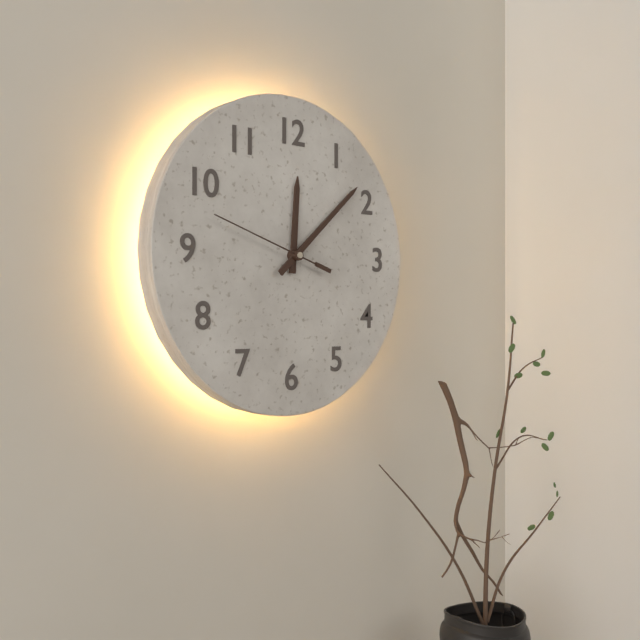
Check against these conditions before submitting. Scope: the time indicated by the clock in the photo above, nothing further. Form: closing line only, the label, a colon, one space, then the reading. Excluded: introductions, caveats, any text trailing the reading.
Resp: 12:08:48
